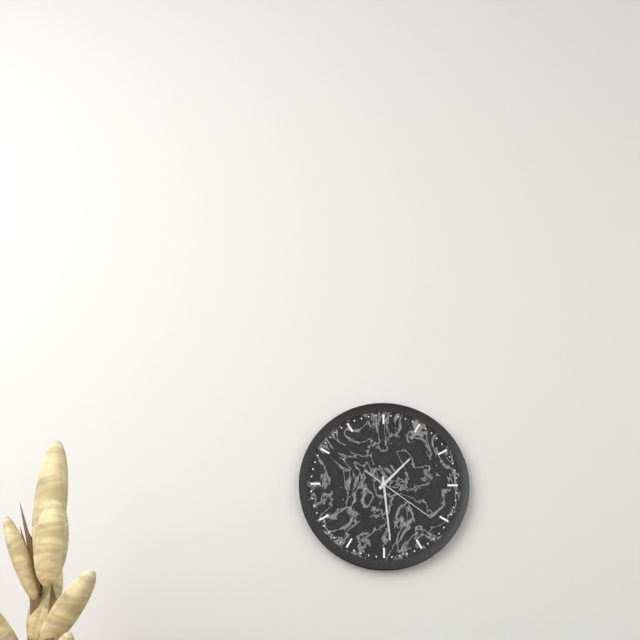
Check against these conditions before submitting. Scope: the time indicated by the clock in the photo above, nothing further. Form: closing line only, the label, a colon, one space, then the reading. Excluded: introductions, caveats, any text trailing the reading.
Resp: 1:29:21
